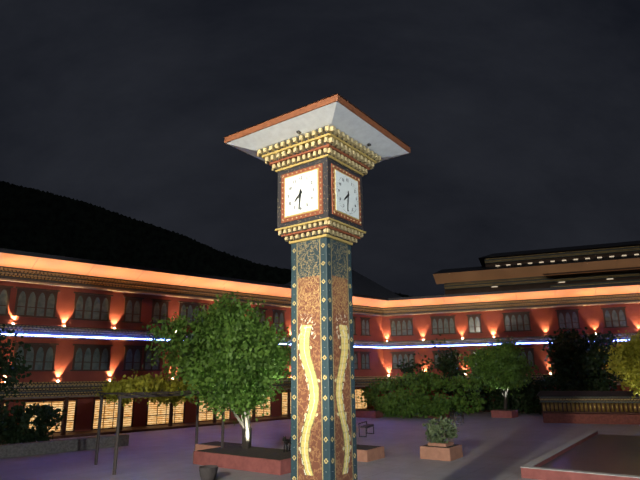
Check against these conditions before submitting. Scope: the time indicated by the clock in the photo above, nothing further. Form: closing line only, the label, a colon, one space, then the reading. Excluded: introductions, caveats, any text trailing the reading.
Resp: 7:31
